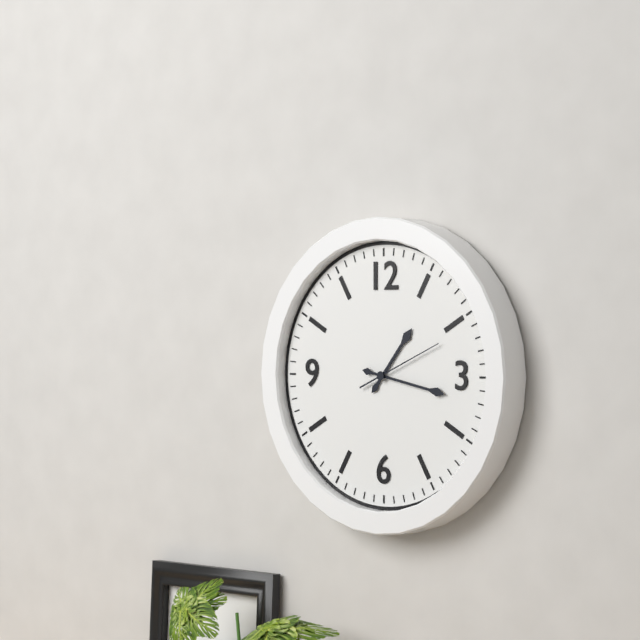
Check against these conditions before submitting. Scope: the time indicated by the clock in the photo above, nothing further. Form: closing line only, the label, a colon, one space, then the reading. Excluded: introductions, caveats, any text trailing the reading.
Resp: 1:17:11
